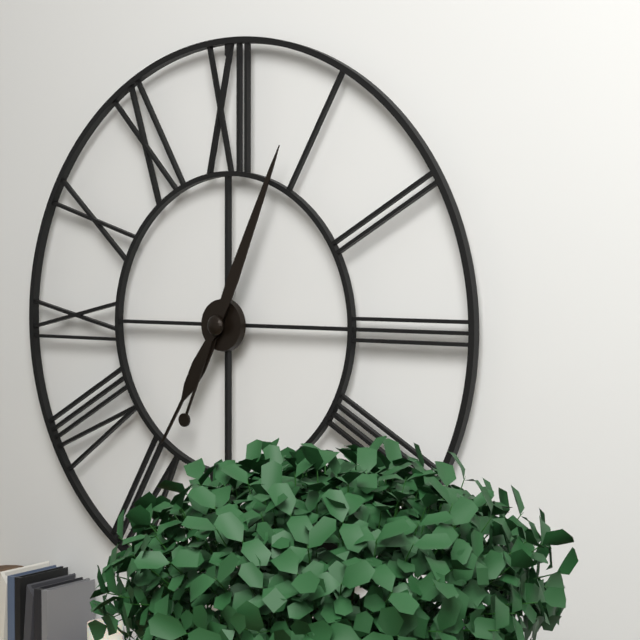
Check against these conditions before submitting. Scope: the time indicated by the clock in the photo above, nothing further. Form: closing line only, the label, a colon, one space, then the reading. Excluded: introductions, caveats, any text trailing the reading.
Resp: 7:04
